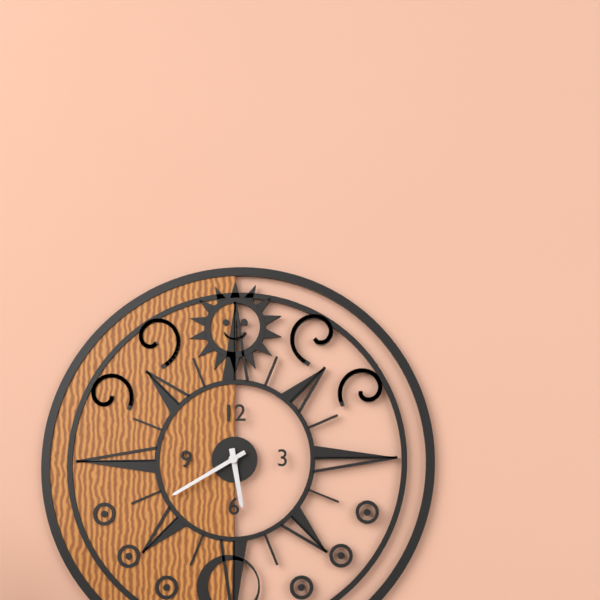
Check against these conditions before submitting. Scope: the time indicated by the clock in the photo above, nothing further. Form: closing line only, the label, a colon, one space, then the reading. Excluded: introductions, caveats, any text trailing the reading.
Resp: 5:40
